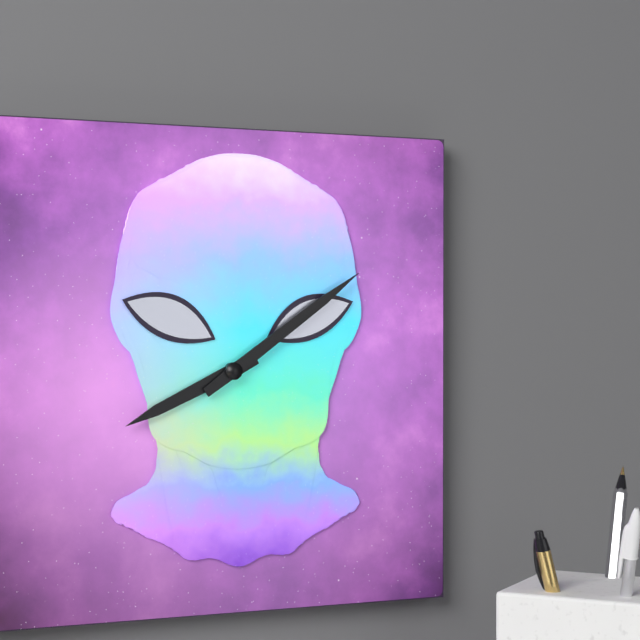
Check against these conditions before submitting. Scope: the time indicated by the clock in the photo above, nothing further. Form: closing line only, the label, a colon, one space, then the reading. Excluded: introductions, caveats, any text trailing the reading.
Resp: 8:09
